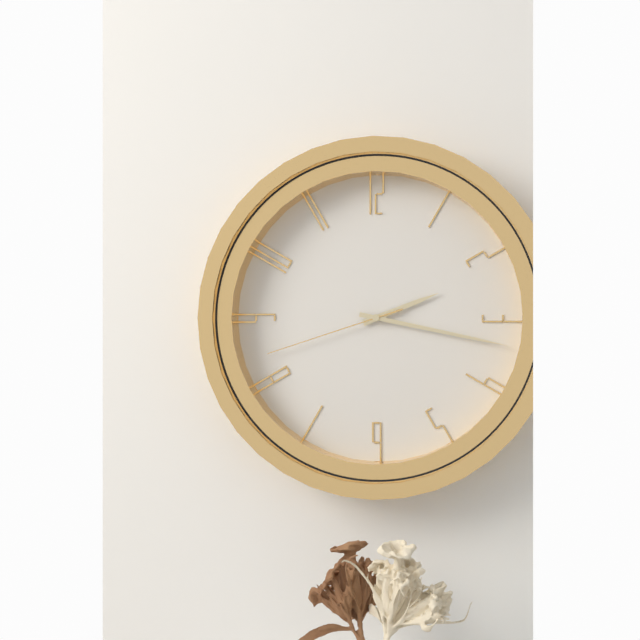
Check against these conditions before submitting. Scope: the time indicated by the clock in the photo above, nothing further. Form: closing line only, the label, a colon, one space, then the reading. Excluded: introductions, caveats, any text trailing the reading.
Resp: 2:17:42
